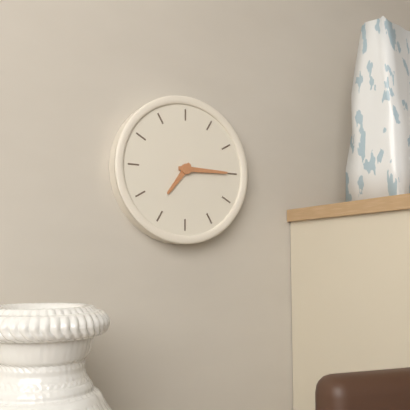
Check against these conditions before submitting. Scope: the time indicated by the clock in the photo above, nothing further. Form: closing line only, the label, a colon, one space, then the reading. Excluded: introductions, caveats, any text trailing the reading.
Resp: 7:15
